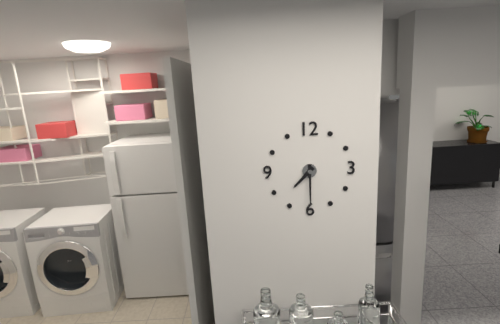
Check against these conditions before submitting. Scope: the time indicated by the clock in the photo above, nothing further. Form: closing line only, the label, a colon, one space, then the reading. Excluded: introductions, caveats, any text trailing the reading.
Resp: 7:30
